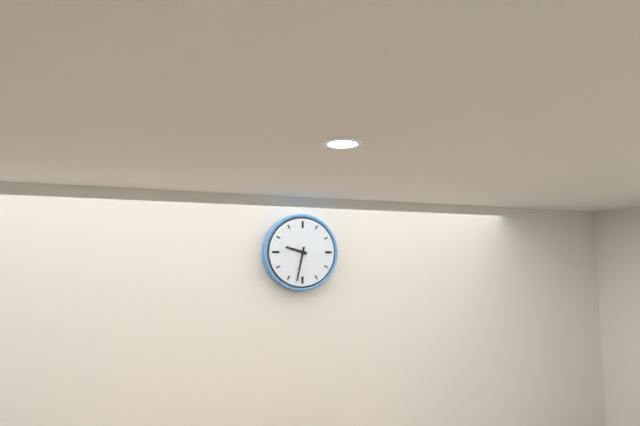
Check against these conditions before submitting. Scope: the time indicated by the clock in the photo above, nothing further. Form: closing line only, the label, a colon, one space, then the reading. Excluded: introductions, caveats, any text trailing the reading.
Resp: 9:32
